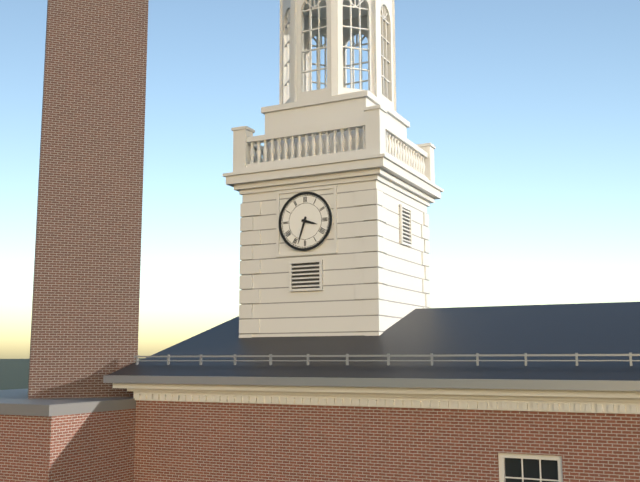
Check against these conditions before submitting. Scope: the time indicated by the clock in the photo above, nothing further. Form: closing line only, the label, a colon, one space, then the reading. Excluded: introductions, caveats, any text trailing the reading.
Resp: 3:33
